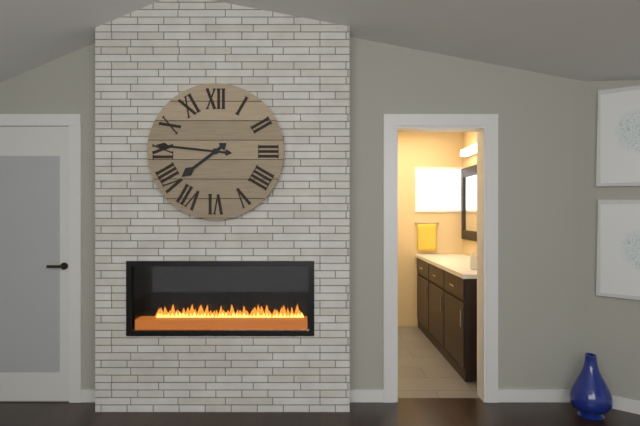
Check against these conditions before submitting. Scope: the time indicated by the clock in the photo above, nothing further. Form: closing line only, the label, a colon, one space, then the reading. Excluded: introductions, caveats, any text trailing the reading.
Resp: 7:46
